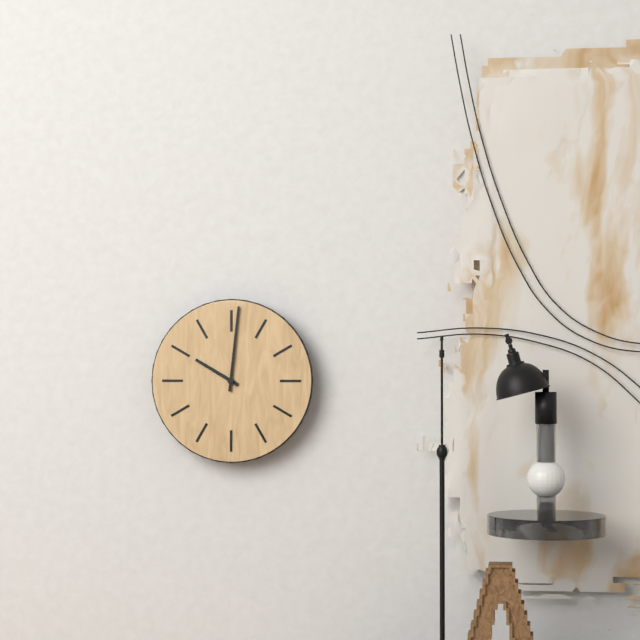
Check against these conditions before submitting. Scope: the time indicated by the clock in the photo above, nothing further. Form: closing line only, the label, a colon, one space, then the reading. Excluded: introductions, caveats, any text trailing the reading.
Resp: 10:01
